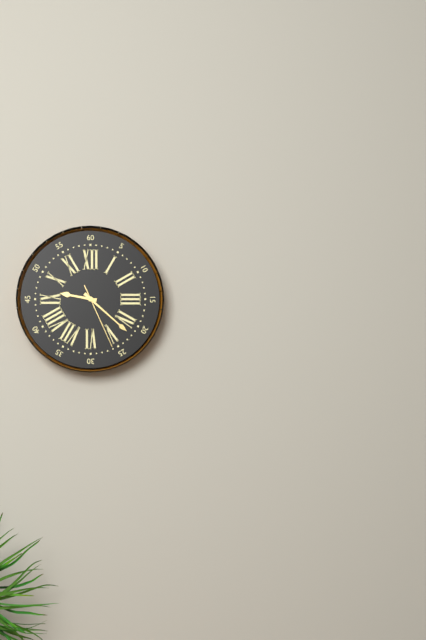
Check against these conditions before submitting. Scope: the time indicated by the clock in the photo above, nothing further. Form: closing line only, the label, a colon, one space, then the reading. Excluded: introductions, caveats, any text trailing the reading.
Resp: 9:22:26
